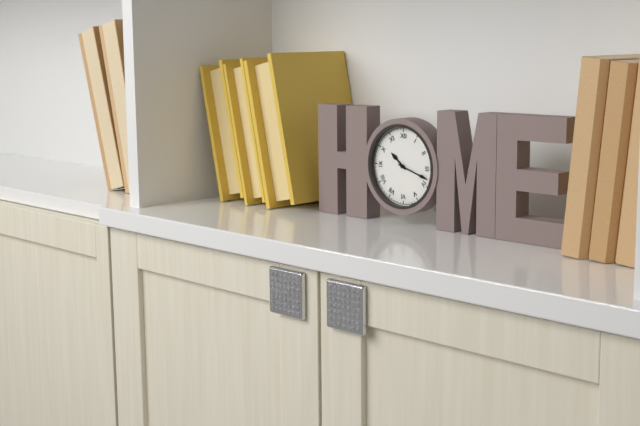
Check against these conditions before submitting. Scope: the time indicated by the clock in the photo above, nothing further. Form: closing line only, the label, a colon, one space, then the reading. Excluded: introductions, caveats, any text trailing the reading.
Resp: 10:18
